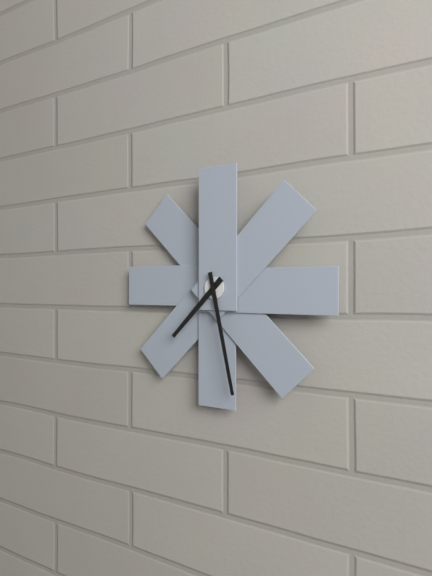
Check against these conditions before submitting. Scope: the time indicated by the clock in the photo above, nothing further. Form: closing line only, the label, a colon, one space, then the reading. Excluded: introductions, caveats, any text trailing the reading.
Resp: 7:28
